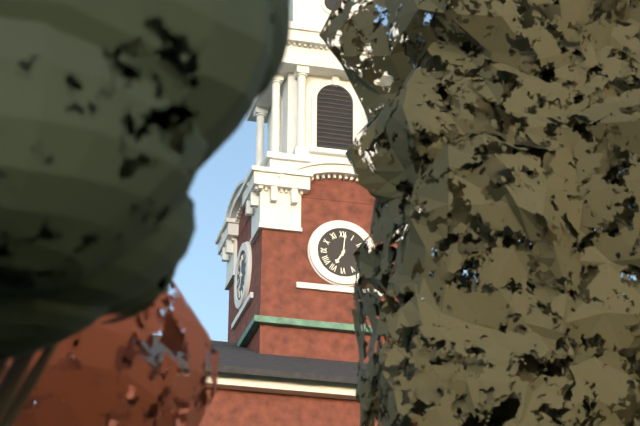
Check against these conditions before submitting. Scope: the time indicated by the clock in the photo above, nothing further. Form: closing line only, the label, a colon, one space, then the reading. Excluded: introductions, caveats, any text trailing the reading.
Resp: 7:01
